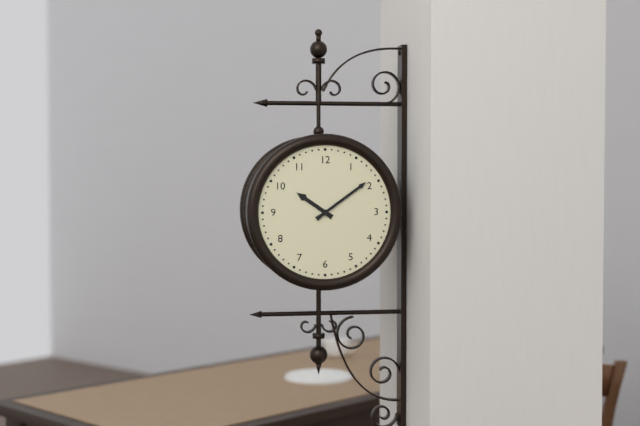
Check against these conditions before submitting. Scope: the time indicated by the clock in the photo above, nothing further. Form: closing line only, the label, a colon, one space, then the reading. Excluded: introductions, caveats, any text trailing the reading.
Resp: 10:09
